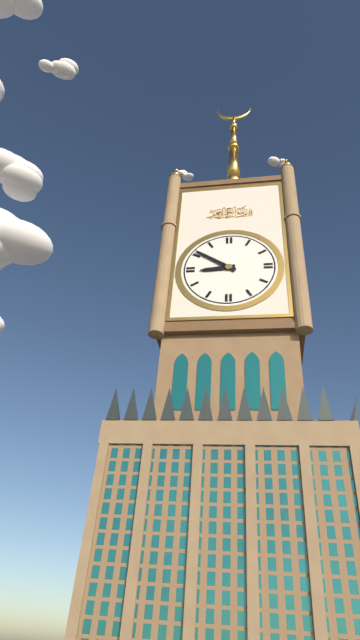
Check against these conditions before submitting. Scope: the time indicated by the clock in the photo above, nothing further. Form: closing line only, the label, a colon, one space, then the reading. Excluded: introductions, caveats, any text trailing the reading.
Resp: 8:51
